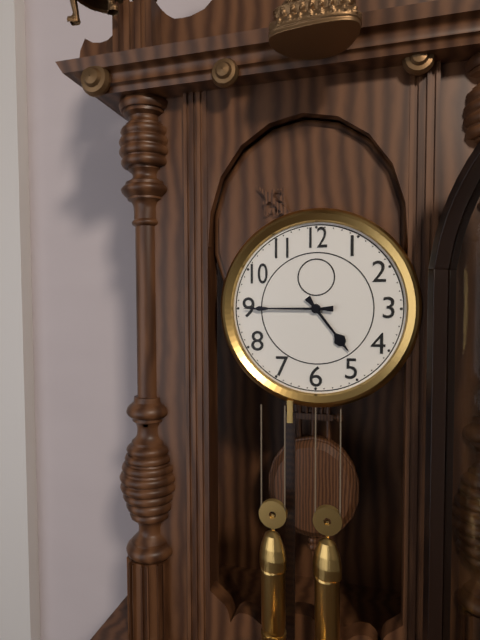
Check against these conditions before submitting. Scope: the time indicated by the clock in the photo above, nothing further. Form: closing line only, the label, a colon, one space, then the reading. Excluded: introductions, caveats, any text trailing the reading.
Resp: 4:45
